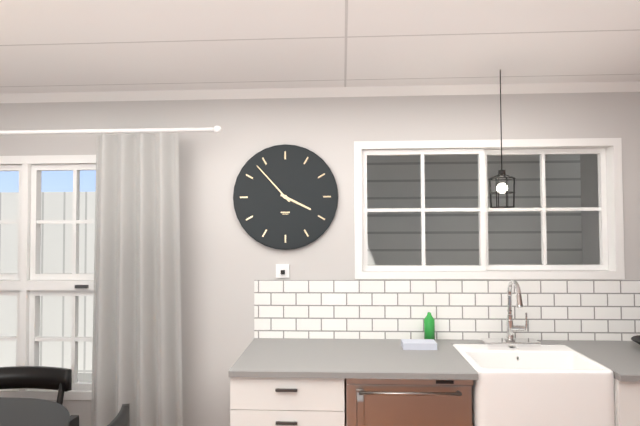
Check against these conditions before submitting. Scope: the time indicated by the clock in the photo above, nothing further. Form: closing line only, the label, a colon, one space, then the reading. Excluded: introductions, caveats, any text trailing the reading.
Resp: 3:53
